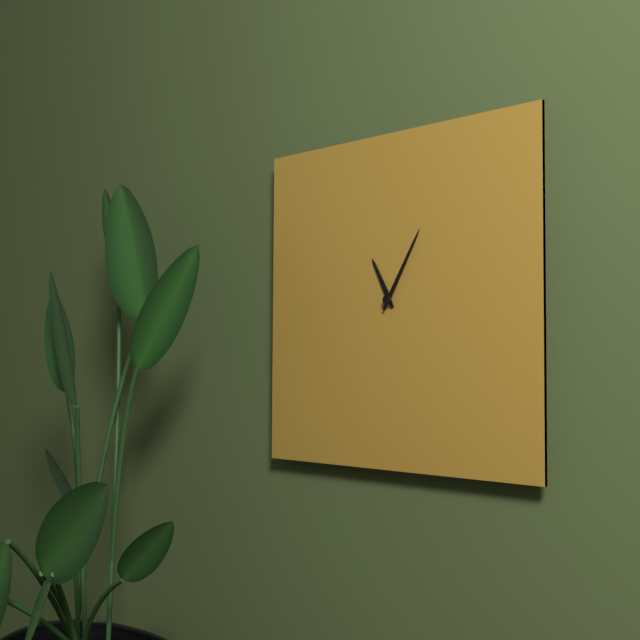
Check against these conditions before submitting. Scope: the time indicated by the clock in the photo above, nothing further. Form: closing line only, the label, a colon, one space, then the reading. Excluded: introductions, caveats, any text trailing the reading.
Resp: 11:05
